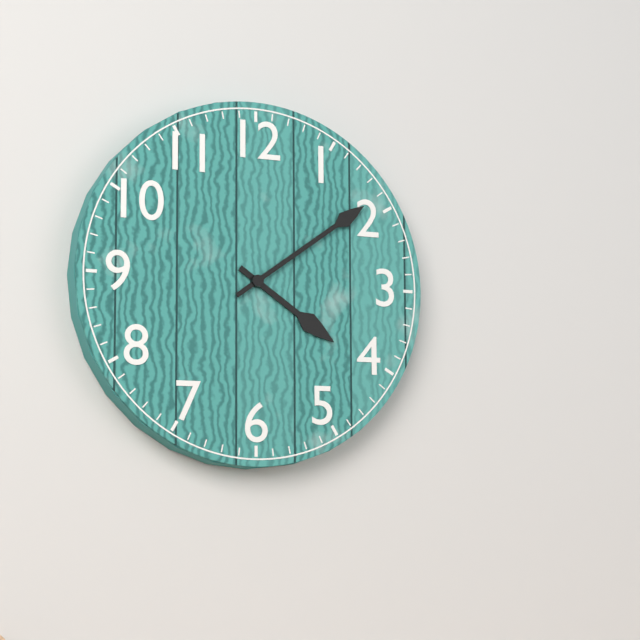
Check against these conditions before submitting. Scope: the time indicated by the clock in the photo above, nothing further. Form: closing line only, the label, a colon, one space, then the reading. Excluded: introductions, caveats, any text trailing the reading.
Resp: 4:09
